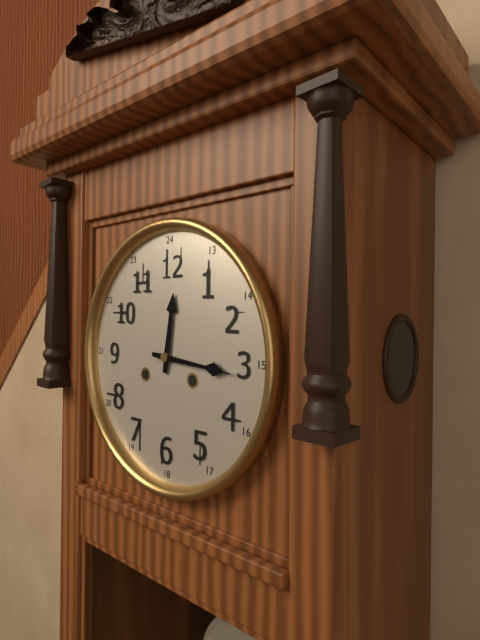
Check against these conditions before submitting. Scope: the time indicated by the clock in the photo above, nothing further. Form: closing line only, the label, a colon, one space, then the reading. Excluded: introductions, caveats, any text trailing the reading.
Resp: 12:16
